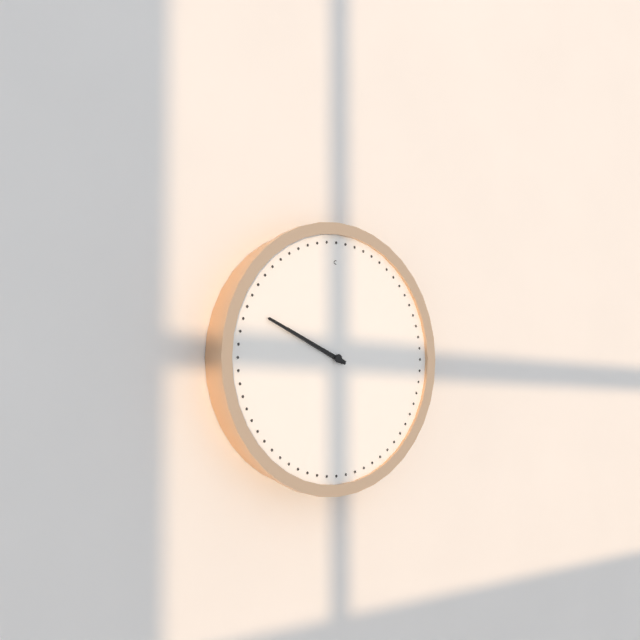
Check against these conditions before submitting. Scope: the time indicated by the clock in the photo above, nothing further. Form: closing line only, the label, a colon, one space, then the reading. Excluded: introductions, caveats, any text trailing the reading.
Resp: 9:49
